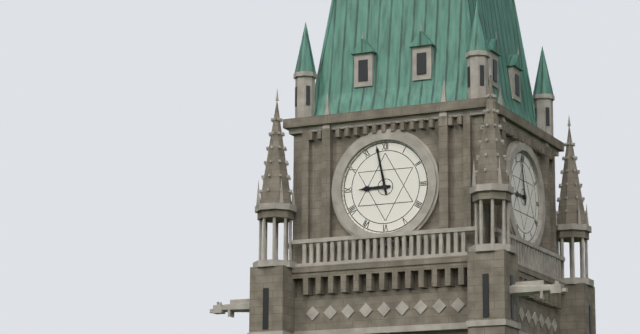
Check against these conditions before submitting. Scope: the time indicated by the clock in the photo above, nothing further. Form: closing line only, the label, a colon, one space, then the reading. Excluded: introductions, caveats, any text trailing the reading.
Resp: 8:58
